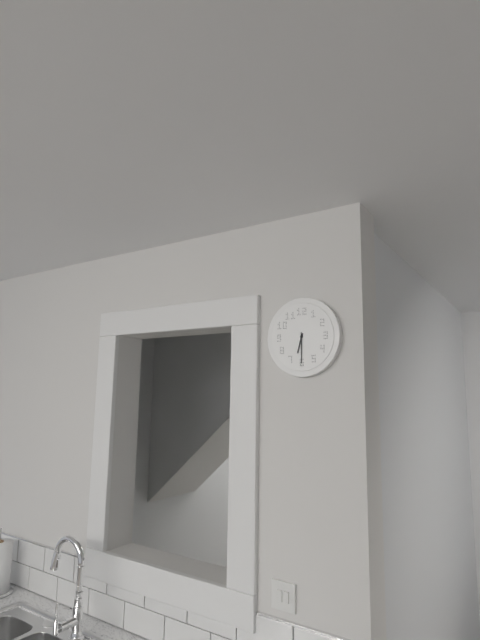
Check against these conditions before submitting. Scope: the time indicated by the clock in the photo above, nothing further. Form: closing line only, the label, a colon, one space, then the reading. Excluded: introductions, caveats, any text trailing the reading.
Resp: 6:30
